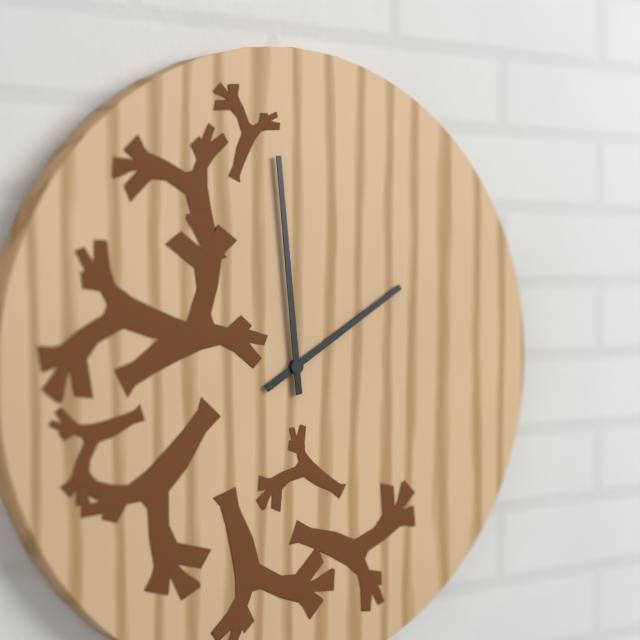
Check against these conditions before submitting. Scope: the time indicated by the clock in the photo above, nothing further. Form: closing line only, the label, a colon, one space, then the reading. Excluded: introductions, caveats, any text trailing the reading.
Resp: 1:59
